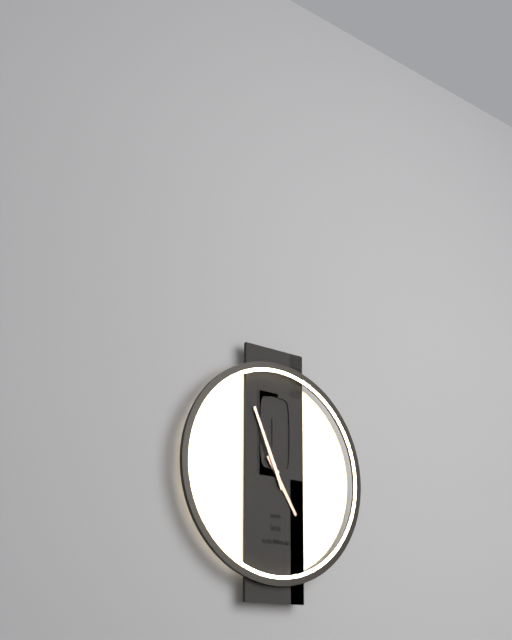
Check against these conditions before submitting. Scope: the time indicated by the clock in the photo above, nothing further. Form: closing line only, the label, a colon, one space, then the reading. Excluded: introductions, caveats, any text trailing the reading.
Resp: 4:56
